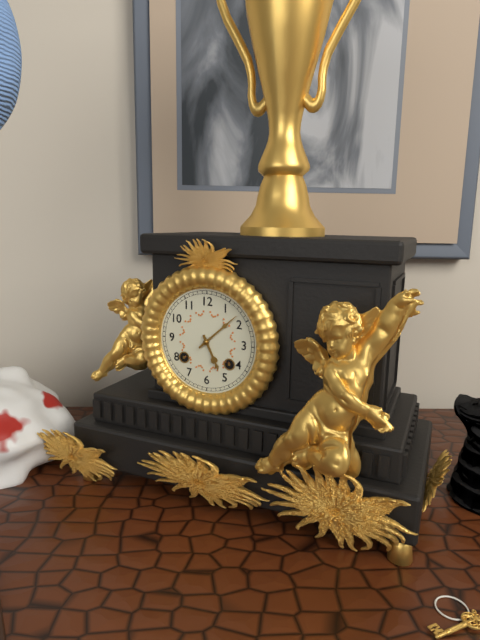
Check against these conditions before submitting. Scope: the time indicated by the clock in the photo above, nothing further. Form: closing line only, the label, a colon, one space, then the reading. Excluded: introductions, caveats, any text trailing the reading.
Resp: 5:08
